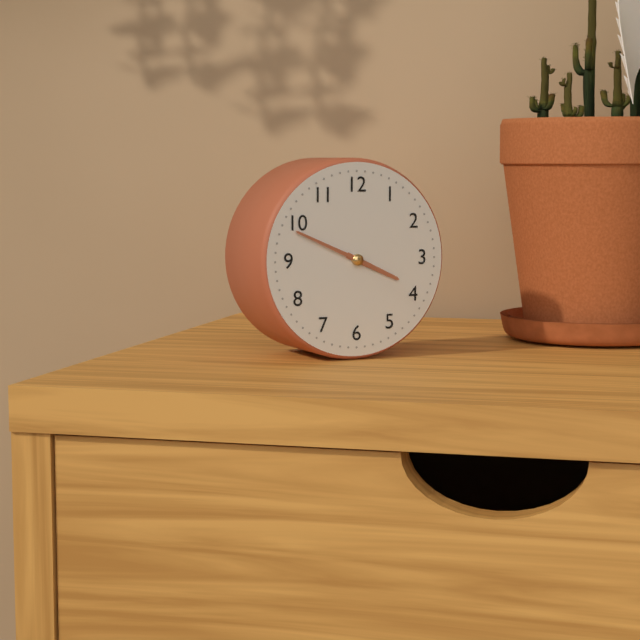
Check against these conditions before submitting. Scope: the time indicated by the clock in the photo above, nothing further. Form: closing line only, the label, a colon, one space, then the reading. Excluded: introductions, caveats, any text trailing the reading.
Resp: 3:49
